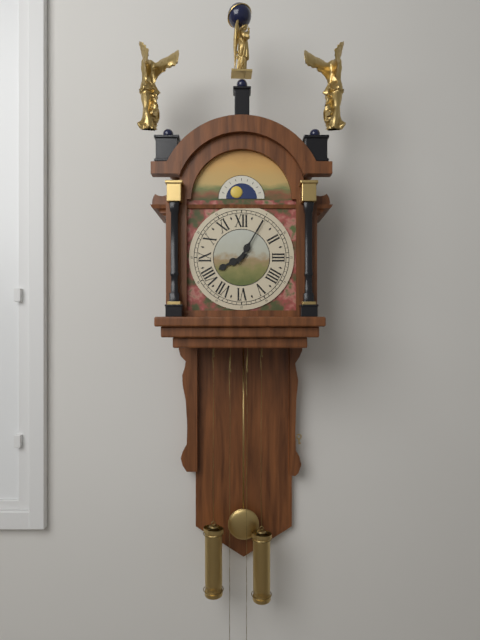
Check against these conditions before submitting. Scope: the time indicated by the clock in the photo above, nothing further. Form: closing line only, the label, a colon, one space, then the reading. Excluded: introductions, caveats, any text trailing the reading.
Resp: 8:05
